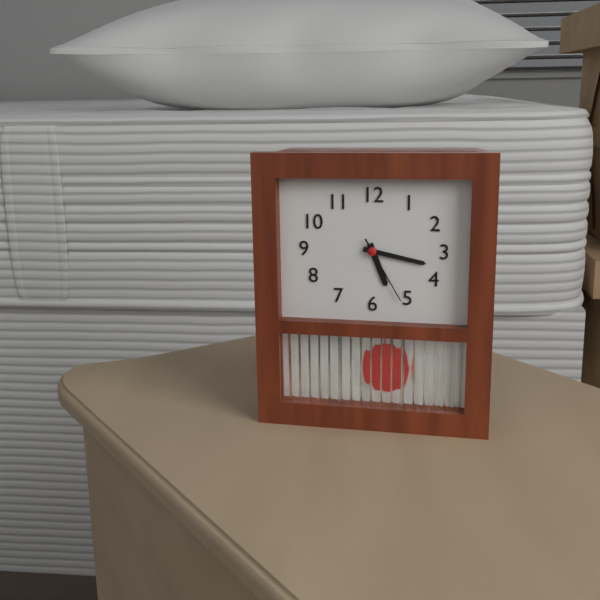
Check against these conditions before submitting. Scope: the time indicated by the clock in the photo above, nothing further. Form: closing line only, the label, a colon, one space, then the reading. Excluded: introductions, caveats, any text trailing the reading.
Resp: 5:17:25
